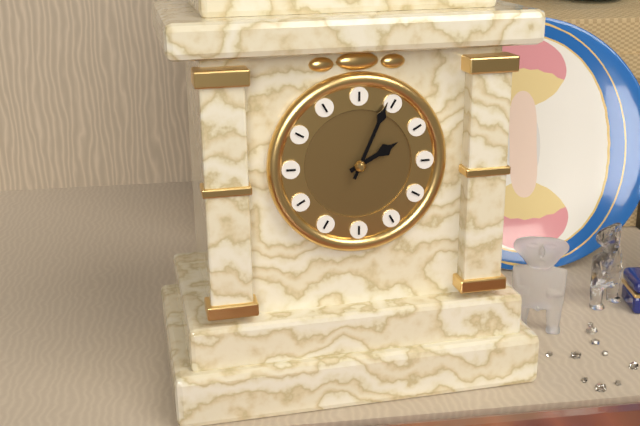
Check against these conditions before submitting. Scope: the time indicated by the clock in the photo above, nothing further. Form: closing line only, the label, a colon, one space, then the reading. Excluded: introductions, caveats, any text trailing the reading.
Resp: 2:04
